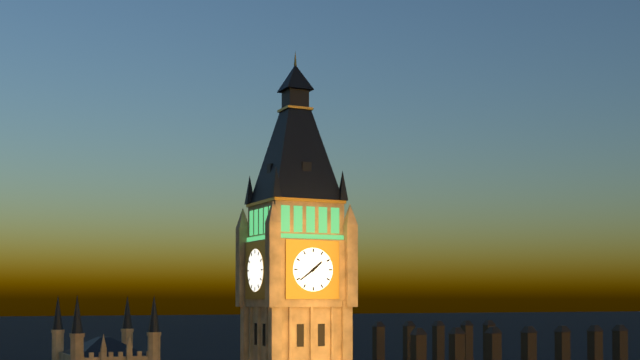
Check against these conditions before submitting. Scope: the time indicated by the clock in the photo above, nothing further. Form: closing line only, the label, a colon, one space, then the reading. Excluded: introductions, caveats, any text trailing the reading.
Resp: 1:39
